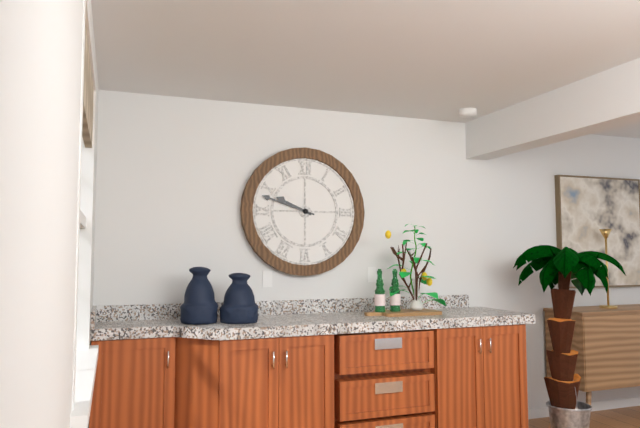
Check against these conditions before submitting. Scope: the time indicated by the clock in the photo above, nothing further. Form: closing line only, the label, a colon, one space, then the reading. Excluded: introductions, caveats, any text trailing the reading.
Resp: 9:48
